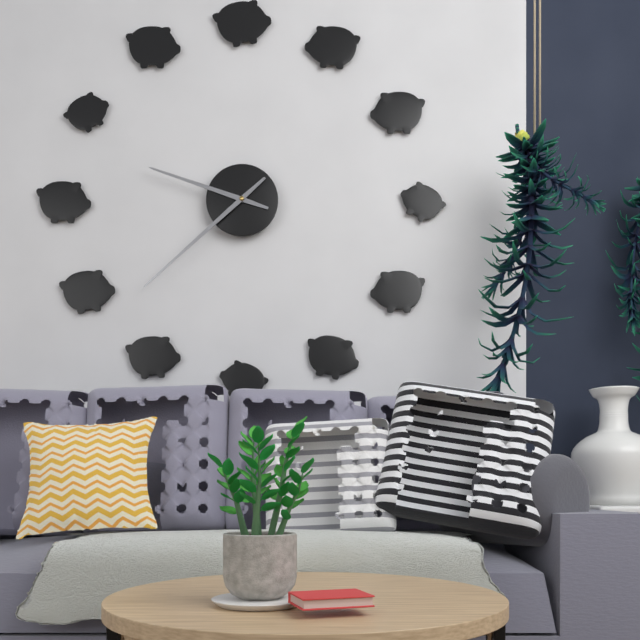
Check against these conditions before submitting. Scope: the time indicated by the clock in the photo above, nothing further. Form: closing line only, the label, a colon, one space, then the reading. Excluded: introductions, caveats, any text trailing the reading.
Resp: 9:38
